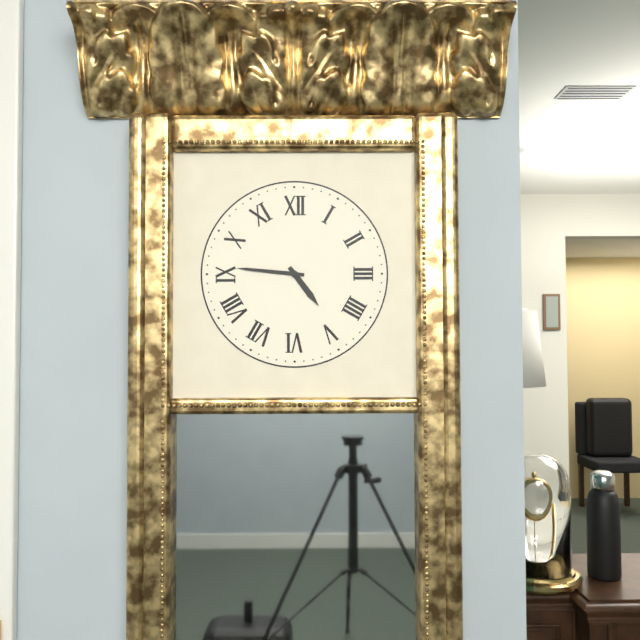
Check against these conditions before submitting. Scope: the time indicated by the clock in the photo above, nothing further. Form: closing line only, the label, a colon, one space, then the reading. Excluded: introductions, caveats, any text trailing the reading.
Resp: 4:46
